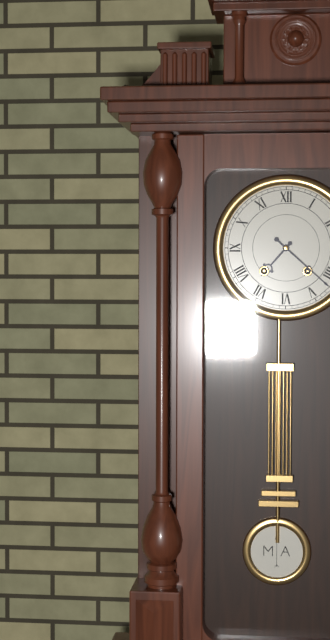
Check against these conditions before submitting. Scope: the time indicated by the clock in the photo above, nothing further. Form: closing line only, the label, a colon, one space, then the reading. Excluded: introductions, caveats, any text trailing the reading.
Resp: 7:22
